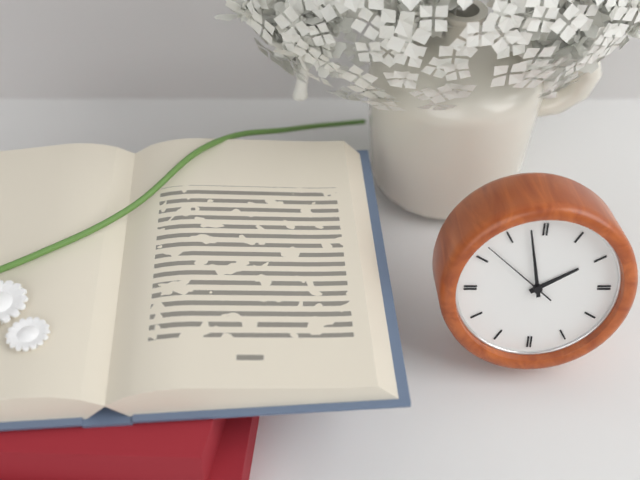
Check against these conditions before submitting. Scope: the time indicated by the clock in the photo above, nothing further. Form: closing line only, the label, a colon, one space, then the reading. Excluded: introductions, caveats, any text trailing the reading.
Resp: 1:58:52
